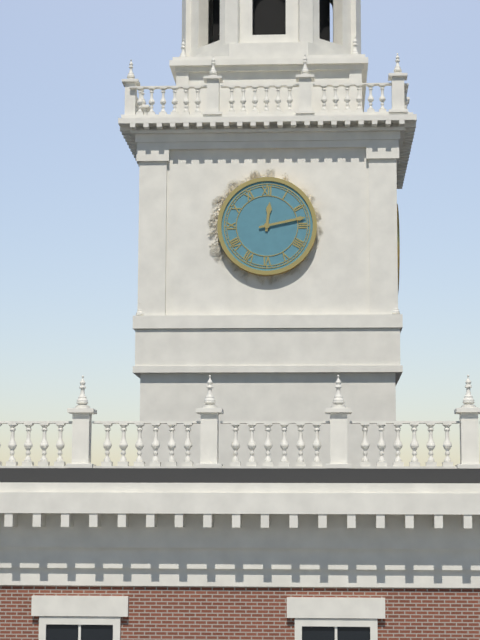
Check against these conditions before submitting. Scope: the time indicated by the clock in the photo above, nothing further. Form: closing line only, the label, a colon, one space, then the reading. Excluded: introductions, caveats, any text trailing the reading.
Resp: 12:13
